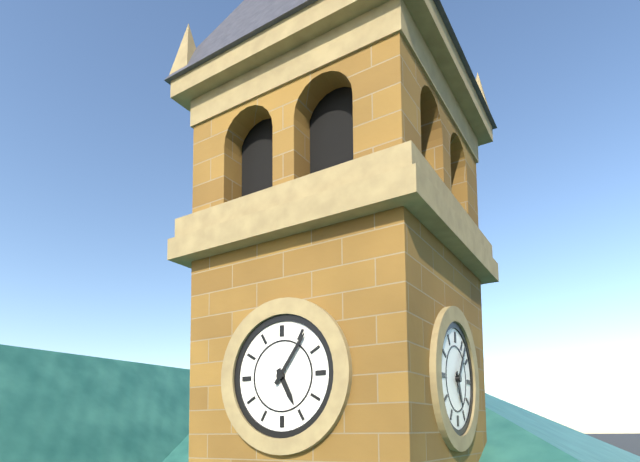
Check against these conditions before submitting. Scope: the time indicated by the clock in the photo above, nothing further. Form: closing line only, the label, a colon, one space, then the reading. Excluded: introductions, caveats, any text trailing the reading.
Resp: 5:06
